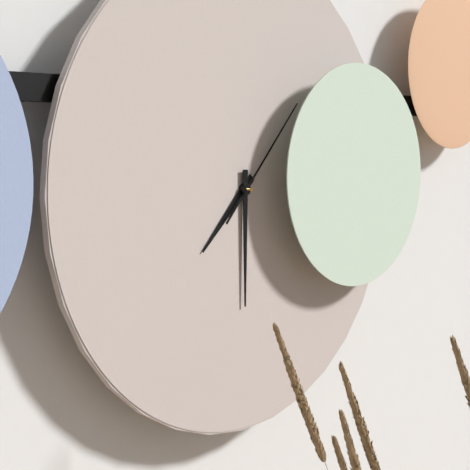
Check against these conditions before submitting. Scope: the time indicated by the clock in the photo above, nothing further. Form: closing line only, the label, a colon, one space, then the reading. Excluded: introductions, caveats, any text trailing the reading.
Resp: 7:30:07
